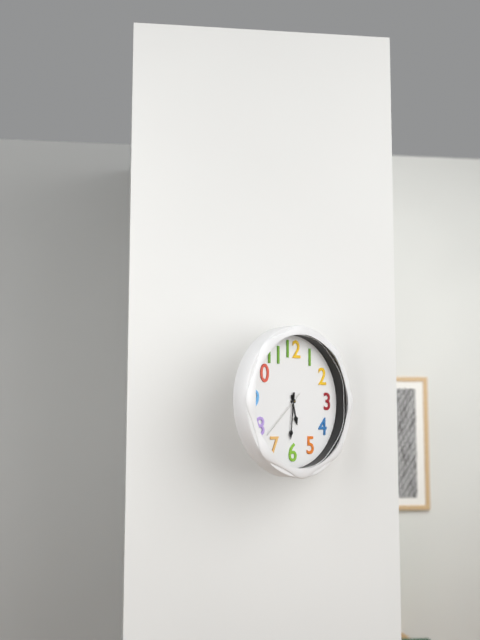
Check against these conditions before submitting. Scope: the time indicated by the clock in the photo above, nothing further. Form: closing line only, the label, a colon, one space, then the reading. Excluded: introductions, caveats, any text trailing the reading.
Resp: 5:31:38
